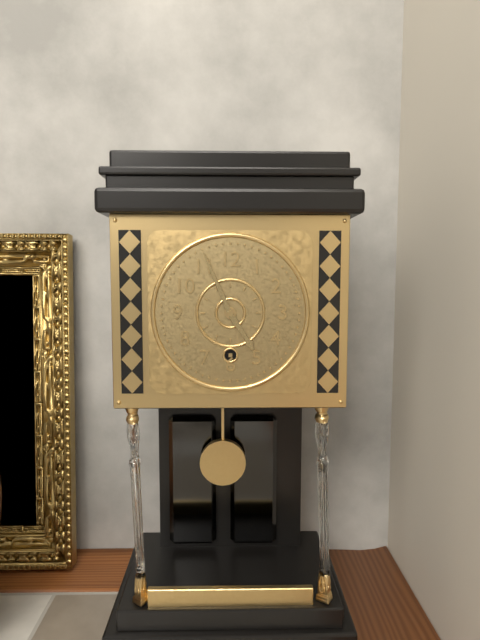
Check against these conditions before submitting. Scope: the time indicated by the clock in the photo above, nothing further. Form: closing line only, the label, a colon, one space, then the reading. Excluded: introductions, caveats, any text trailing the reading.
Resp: 4:56
